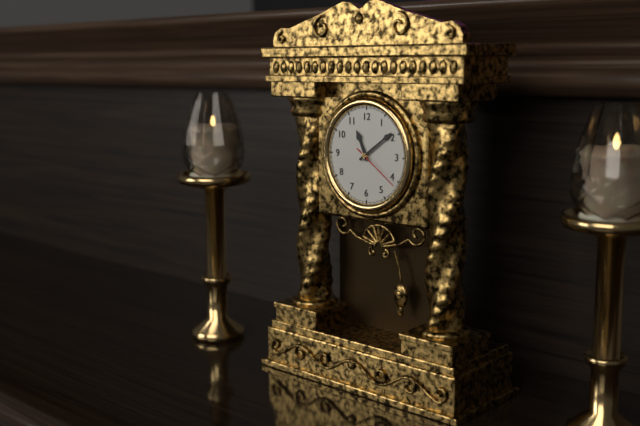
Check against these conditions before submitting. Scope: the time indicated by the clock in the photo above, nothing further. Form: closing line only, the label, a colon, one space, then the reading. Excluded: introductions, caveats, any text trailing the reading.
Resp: 11:09:21
